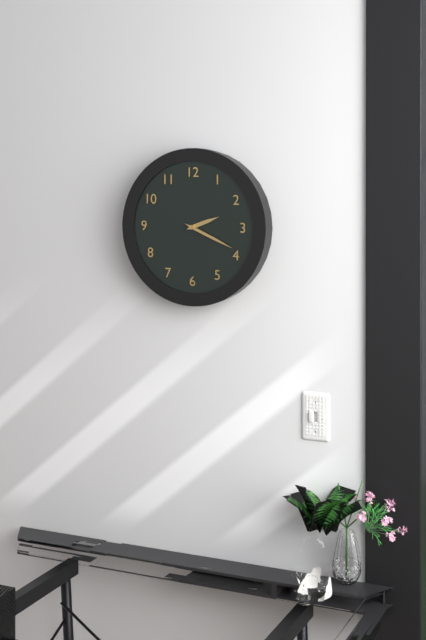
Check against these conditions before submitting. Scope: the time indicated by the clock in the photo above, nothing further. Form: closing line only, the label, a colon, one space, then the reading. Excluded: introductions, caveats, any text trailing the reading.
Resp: 2:19
